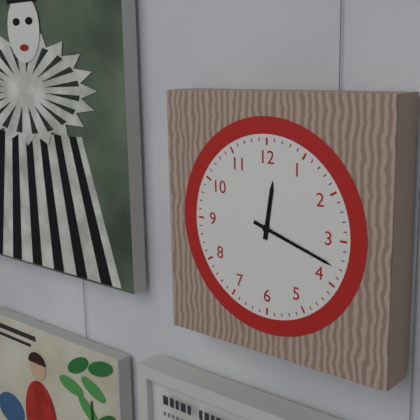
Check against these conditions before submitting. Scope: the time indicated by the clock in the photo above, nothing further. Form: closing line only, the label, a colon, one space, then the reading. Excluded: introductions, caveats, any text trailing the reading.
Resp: 12:18
